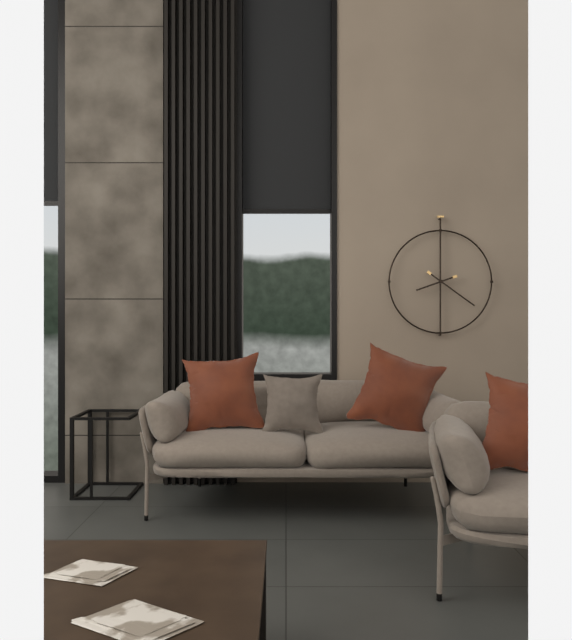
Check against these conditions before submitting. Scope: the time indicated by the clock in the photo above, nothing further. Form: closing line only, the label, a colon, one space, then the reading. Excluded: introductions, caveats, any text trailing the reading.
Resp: 8:21
